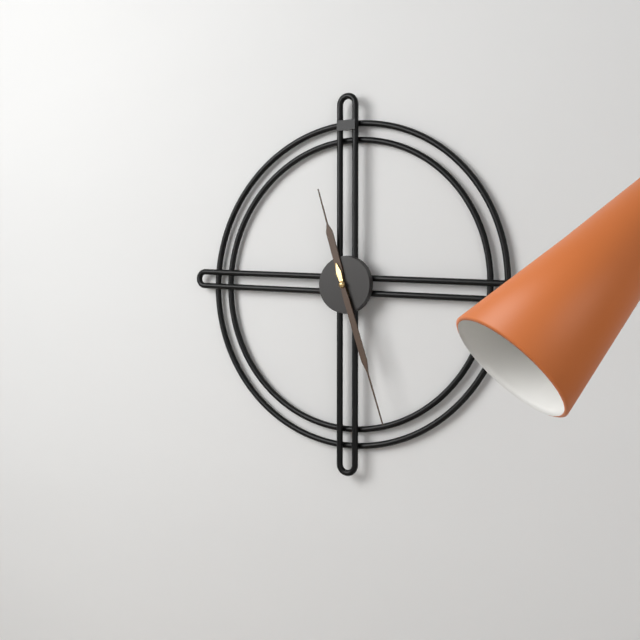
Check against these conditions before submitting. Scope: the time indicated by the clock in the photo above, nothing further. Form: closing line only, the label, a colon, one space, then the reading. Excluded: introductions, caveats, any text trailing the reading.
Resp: 11:27
